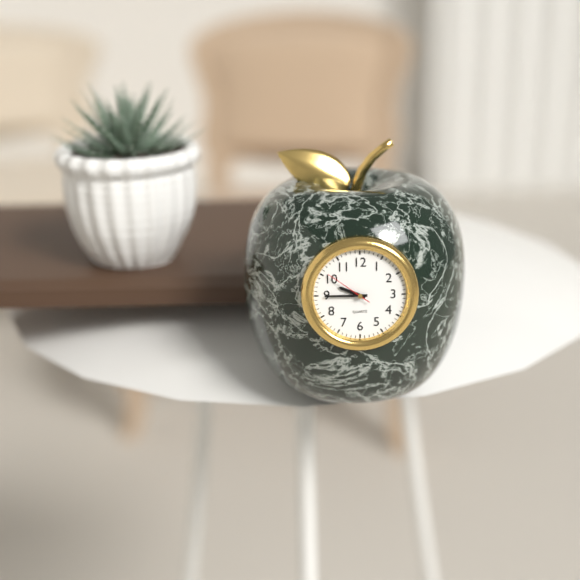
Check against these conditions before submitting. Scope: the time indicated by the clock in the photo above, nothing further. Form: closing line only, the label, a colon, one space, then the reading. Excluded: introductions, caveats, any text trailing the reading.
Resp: 9:45
